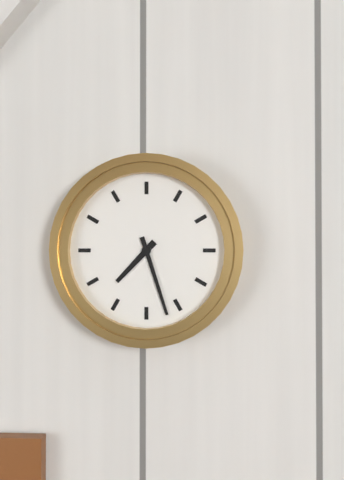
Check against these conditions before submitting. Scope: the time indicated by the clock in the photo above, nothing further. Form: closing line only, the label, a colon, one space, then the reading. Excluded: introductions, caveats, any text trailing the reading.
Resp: 7:27
